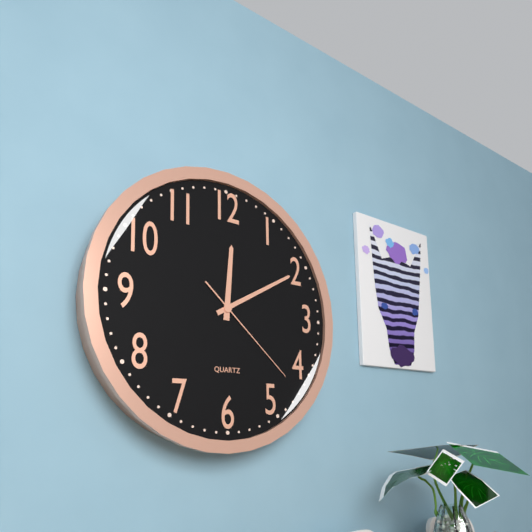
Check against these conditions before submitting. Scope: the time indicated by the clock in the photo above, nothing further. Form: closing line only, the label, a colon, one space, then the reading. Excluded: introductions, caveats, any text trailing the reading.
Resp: 12:10:22
